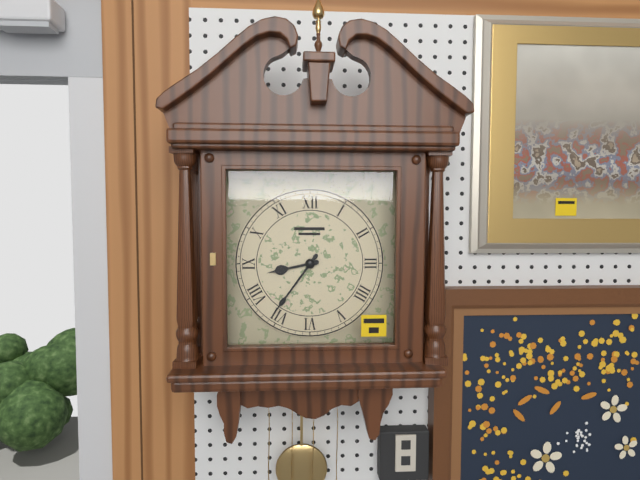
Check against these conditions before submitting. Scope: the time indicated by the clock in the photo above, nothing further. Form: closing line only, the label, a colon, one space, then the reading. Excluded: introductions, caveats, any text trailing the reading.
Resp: 8:36
